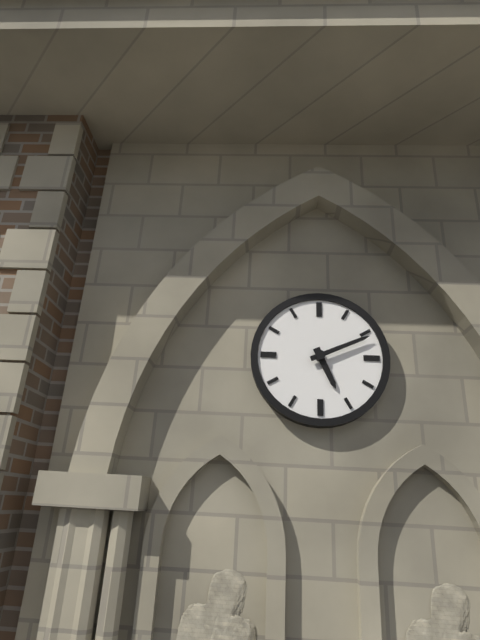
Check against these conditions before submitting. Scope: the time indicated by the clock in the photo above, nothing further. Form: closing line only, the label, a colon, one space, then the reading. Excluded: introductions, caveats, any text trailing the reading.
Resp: 5:11
